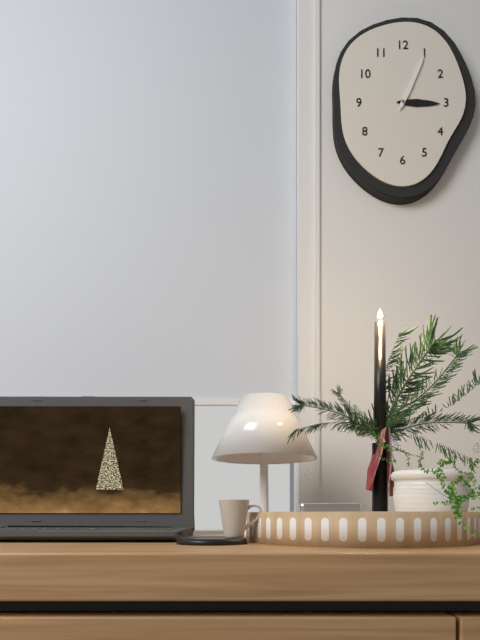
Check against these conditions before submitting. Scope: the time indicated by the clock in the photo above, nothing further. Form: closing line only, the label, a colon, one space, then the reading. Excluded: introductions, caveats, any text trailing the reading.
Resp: 3:04
